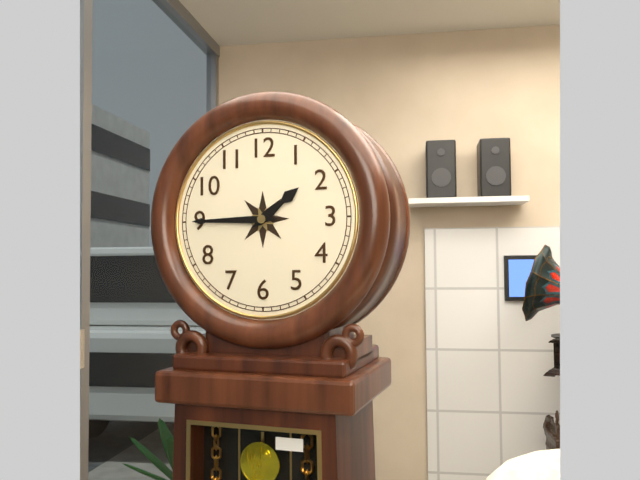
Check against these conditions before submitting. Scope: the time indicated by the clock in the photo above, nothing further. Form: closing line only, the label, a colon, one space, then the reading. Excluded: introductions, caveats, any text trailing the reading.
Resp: 1:45
